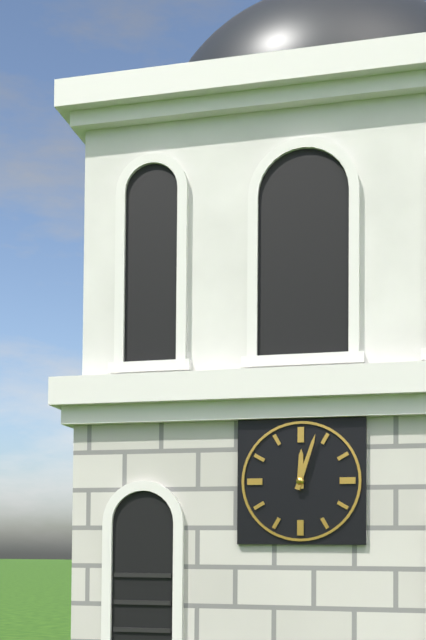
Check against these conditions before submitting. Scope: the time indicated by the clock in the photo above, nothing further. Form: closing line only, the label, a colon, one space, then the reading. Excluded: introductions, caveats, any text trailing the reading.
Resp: 12:03
